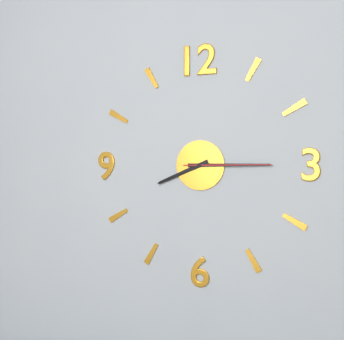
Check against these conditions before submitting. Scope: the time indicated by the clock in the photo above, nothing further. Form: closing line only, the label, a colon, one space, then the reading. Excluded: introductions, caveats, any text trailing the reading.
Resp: 8:15:15
